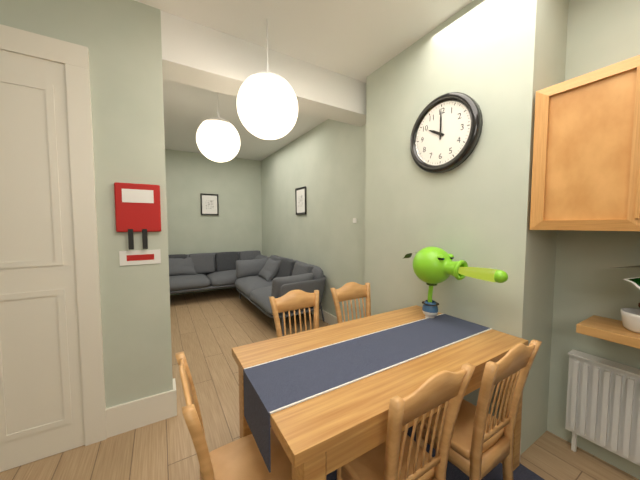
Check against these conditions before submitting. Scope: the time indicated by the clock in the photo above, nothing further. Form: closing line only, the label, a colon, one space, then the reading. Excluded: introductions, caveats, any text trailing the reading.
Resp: 10:00
